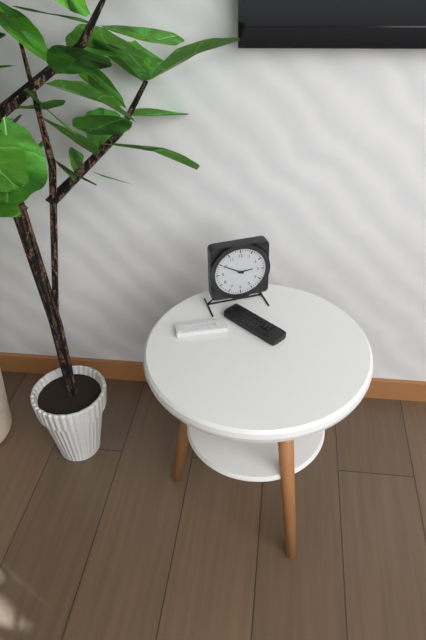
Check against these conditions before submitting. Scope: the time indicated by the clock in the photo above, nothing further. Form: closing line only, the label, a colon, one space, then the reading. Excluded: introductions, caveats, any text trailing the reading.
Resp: 2:50
